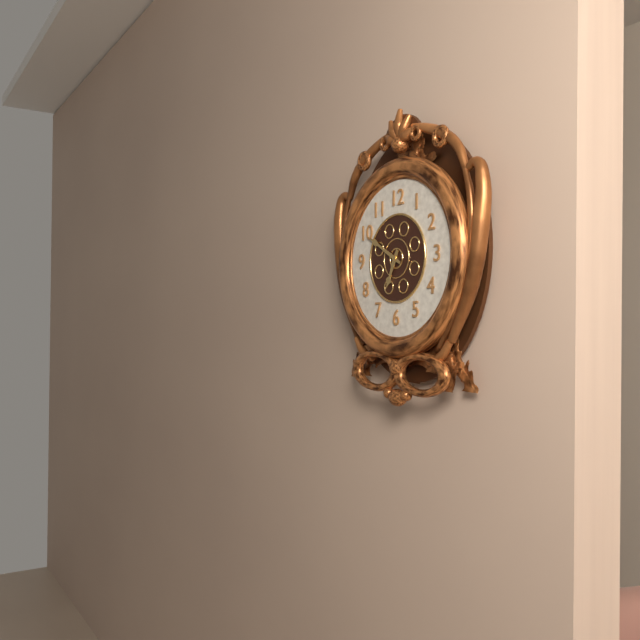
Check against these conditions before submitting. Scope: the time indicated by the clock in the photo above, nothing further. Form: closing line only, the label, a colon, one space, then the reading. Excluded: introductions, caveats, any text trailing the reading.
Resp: 6:50
